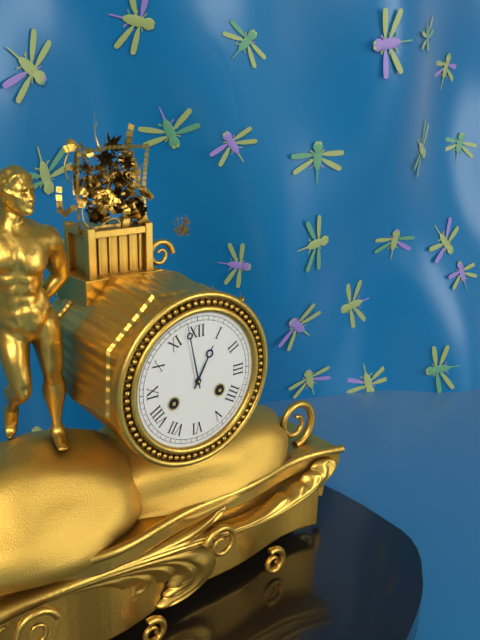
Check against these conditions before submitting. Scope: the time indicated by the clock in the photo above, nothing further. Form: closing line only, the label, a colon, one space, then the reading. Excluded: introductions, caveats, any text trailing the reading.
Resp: 12:58
